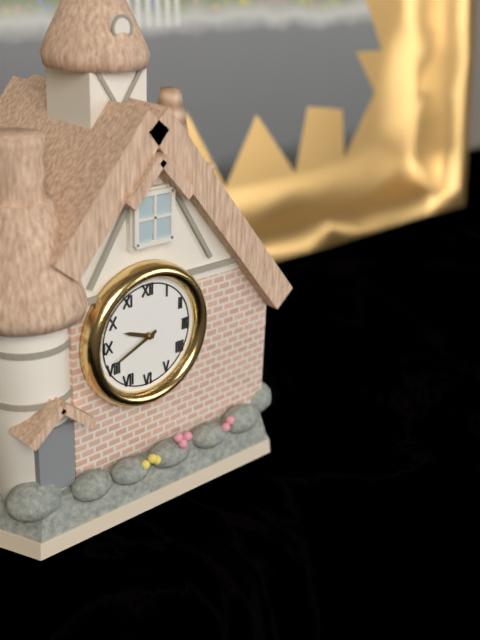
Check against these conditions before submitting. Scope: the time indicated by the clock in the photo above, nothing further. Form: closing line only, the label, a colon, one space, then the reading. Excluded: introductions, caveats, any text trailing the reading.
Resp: 9:41
